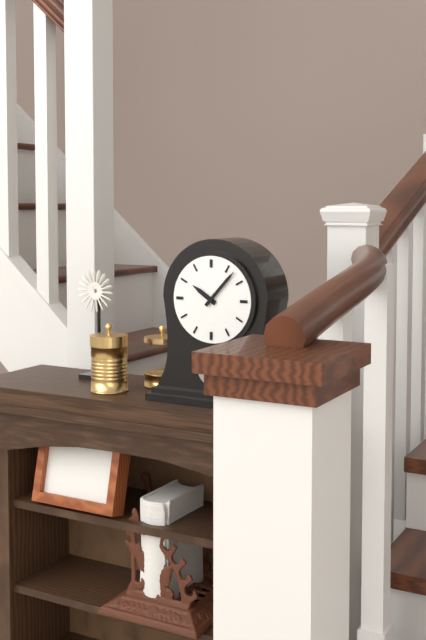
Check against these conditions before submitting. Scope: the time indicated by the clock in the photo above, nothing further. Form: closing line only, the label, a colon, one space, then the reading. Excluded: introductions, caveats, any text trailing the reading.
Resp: 10:07
